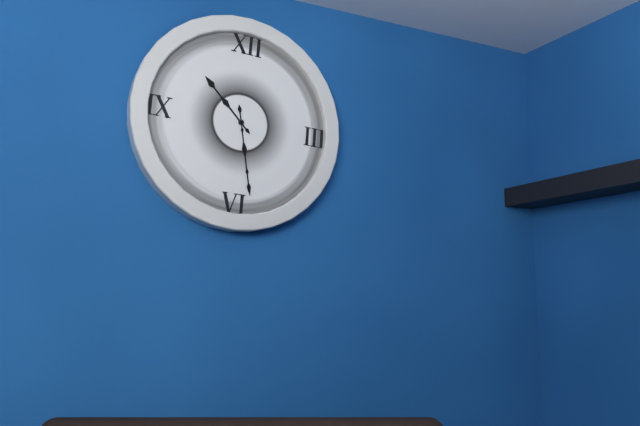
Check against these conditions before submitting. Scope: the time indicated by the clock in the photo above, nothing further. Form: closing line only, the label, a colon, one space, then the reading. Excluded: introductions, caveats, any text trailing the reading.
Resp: 10:28
